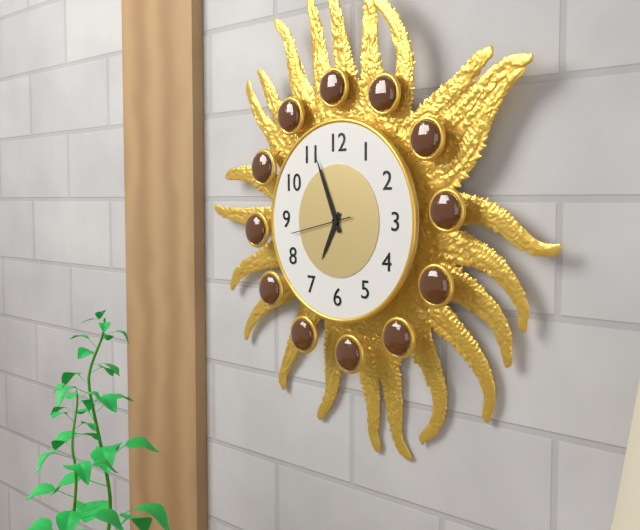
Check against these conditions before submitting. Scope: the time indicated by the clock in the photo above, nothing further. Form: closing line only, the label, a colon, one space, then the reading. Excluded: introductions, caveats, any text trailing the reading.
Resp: 6:56:43
